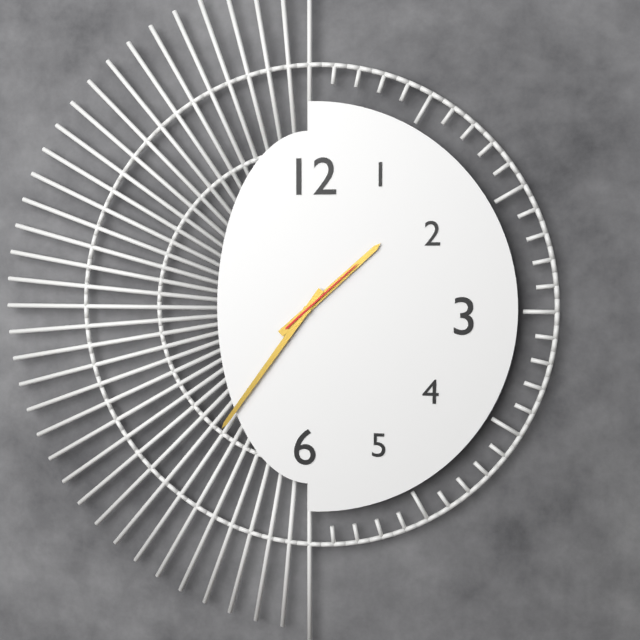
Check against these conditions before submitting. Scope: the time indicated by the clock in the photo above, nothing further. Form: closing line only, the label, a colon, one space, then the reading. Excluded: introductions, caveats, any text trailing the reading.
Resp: 1:36:08
